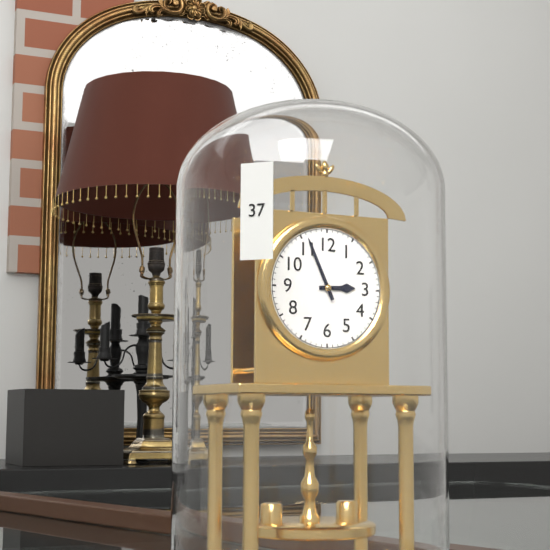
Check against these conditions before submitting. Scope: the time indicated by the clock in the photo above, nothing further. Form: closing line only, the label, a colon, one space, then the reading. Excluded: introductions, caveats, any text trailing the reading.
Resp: 2:56
